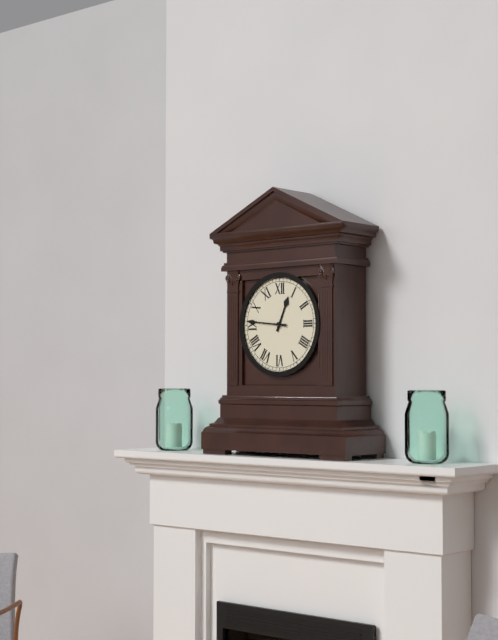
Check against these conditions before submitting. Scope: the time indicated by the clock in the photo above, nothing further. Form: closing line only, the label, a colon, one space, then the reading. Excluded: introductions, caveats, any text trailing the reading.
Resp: 12:46
